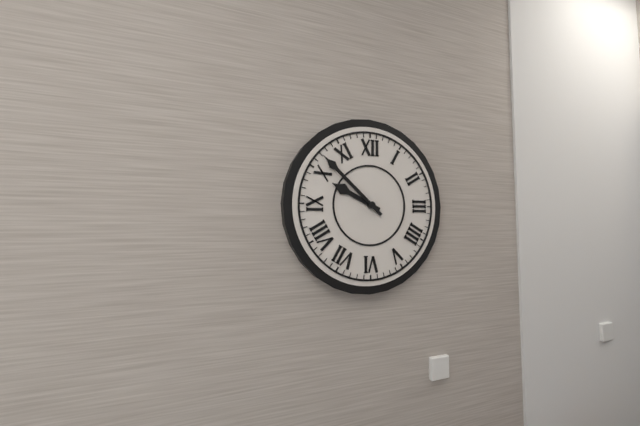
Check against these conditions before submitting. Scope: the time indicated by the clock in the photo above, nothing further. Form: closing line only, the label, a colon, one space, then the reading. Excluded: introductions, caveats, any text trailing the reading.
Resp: 9:52
